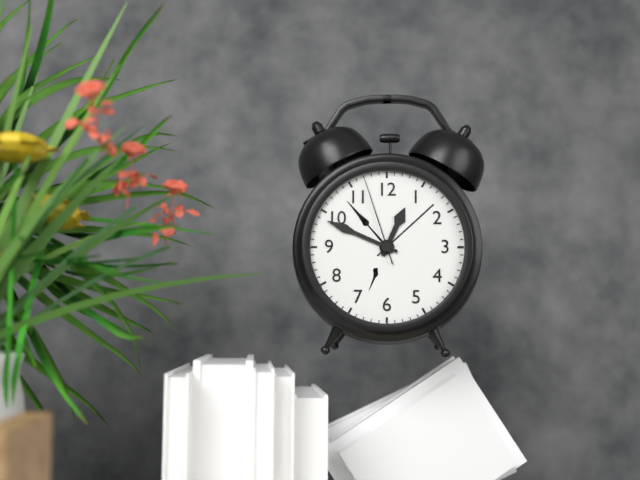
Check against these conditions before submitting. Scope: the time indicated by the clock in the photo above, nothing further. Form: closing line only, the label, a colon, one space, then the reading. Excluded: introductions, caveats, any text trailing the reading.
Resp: 12:49:57
